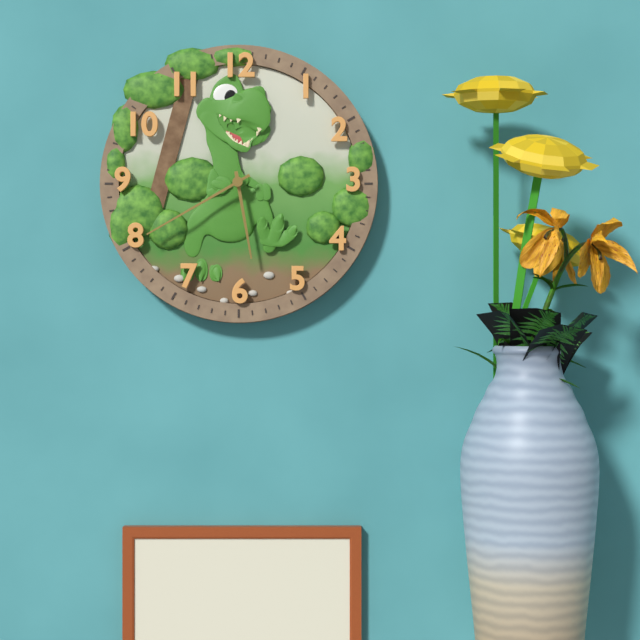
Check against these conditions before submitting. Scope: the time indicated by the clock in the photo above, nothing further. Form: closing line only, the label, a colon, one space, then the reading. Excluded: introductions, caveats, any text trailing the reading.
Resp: 5:40
